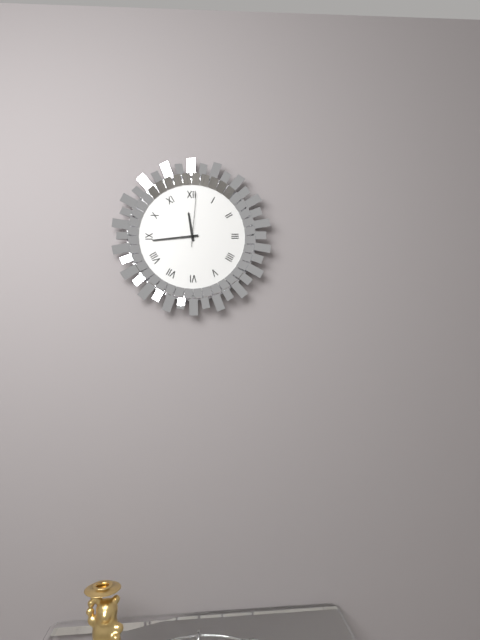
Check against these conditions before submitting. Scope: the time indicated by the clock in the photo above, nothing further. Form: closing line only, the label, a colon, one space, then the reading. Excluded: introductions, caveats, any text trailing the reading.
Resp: 11:44:01
